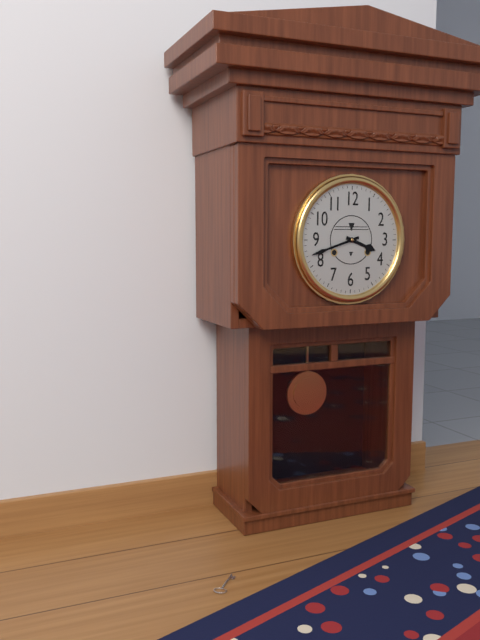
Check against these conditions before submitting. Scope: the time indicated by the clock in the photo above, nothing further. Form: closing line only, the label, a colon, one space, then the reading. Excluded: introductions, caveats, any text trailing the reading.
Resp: 3:42
